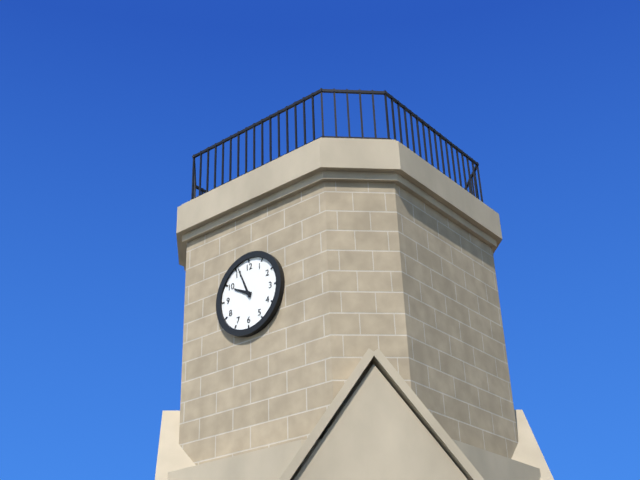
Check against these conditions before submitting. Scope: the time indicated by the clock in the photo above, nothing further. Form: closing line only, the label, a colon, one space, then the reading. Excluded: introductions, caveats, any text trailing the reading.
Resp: 9:56
